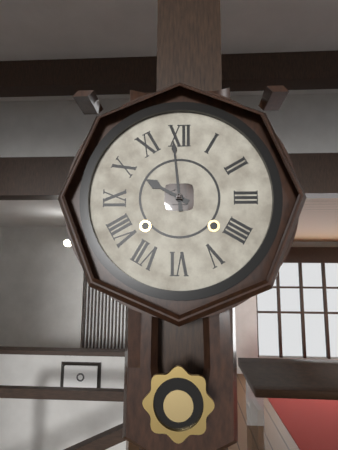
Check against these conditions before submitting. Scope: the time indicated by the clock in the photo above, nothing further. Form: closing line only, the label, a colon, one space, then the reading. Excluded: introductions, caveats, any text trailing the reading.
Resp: 9:59
